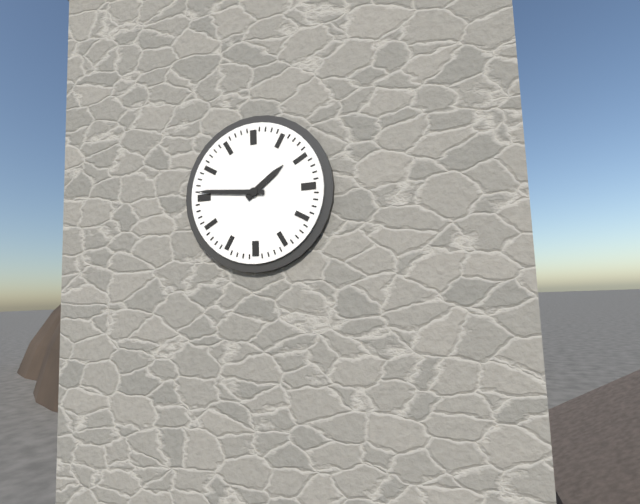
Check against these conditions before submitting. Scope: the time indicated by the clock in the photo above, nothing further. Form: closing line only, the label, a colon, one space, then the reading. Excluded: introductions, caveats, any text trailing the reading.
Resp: 1:46
